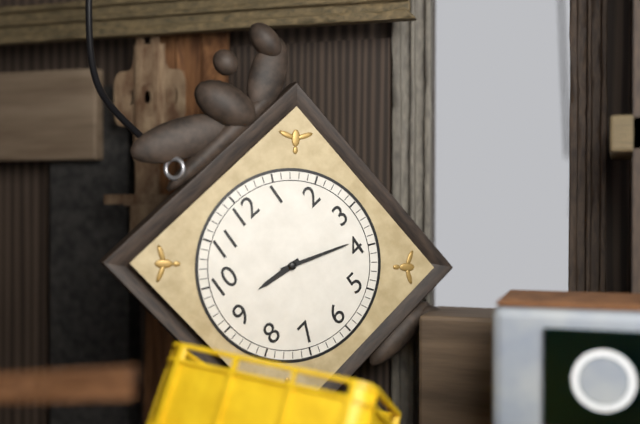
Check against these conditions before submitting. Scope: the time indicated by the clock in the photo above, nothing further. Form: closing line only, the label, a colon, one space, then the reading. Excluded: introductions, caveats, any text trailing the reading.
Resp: 9:19
